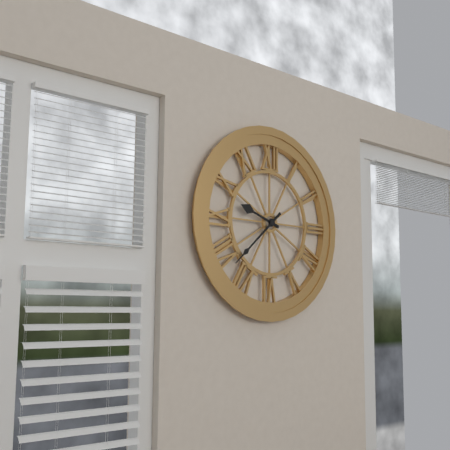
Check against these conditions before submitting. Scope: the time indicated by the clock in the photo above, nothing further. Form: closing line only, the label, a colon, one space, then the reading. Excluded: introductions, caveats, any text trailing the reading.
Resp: 9:38
